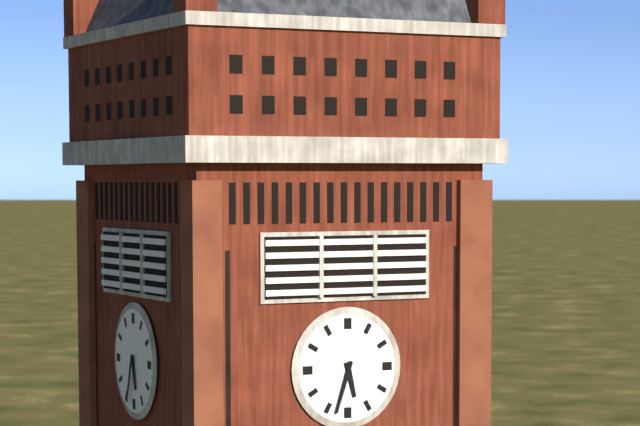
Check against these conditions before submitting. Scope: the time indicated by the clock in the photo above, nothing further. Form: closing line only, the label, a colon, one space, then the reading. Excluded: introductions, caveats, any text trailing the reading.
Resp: 5:33
